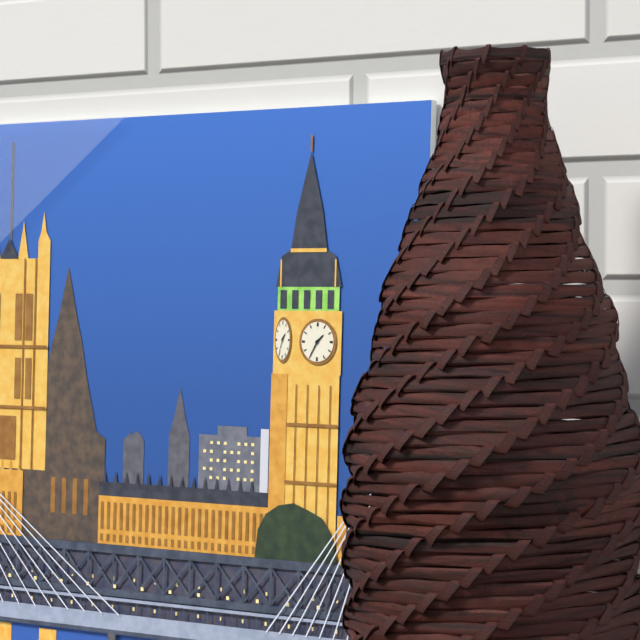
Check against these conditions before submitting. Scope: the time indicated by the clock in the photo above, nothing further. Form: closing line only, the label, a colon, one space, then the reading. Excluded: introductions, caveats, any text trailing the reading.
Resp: 1:35
